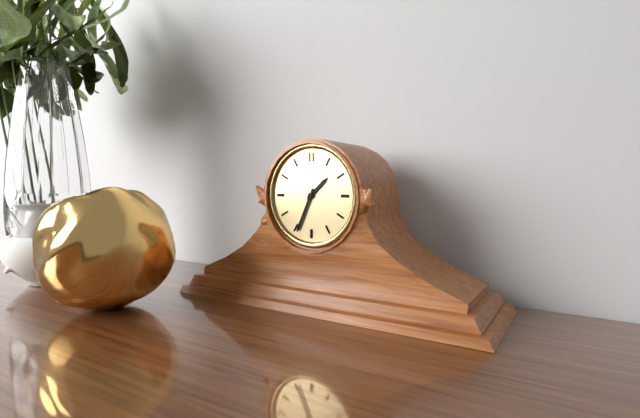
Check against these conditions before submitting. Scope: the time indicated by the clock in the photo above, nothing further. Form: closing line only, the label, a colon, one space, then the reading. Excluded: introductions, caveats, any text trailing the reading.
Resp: 1:34
